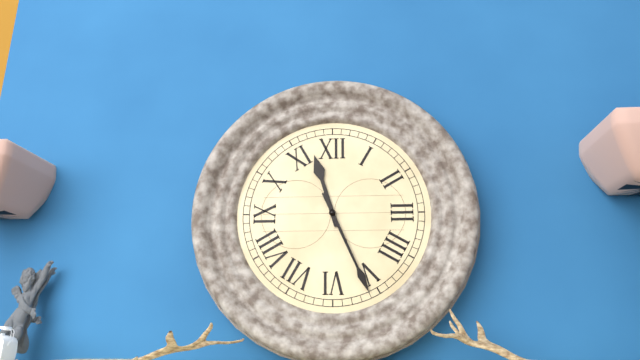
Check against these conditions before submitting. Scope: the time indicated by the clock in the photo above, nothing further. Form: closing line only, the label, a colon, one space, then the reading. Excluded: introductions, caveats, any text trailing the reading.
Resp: 11:26
